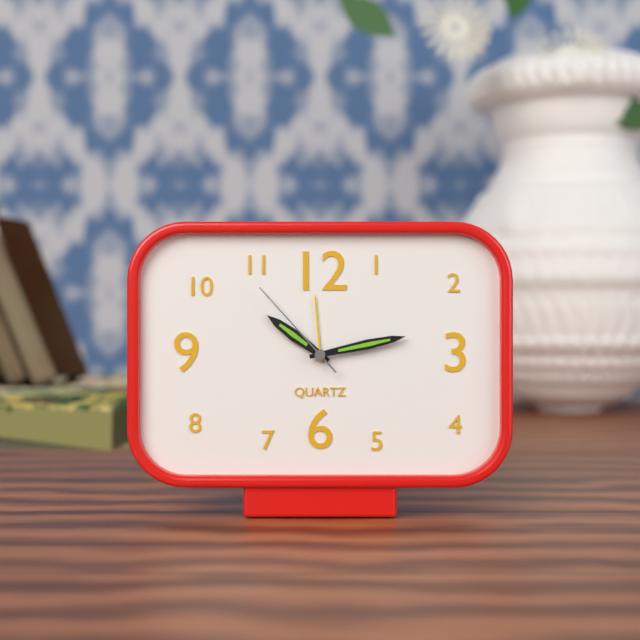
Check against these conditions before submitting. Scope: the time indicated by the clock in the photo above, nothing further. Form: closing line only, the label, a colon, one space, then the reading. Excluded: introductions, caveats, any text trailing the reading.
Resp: 10:13:53
